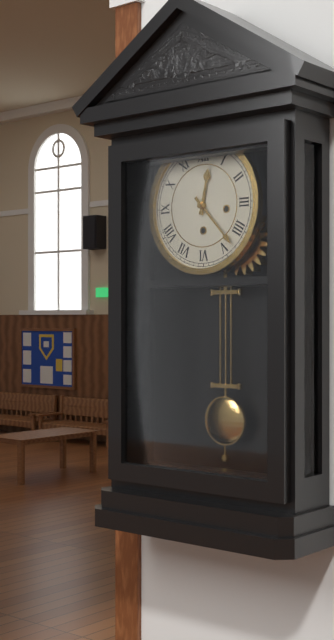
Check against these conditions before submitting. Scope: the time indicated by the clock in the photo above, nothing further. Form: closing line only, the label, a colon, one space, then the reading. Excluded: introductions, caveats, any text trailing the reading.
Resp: 12:23
